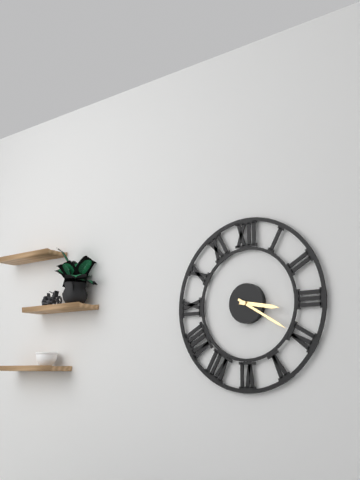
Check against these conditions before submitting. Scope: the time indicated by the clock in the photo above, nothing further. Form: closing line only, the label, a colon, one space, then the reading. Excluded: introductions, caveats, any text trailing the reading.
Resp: 3:20
